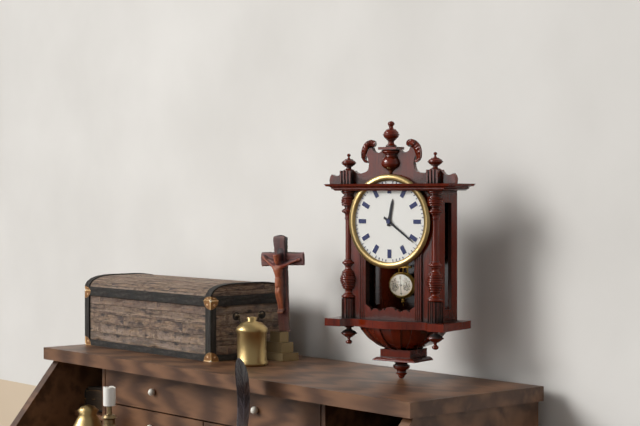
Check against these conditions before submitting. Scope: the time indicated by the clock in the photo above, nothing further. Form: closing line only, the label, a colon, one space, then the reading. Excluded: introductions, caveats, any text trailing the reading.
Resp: 12:21
